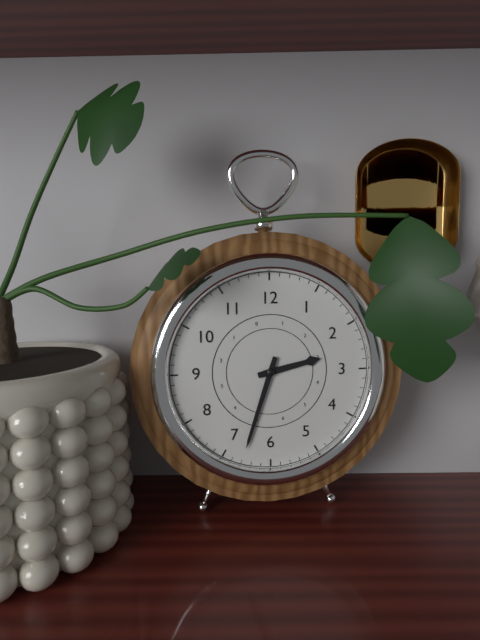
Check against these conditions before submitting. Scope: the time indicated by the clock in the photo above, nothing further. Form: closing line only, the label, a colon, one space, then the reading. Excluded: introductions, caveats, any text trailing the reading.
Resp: 2:33
